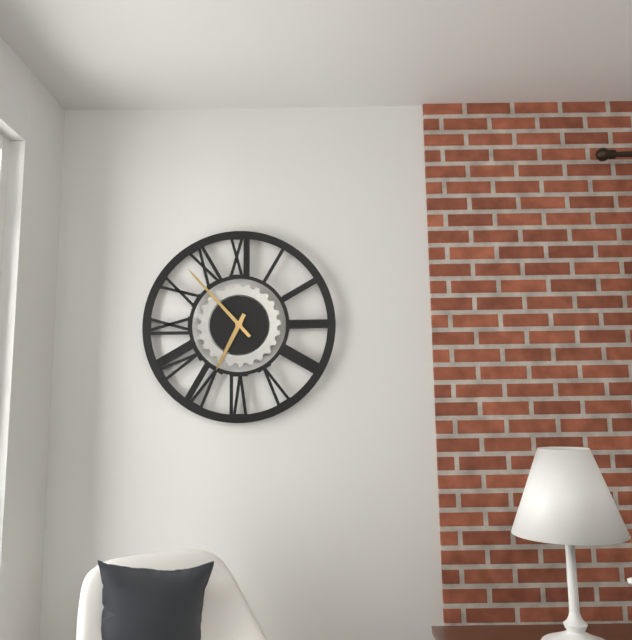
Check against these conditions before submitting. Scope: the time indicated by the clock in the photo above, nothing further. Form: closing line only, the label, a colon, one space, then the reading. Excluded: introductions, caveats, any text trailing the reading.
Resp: 6:53
